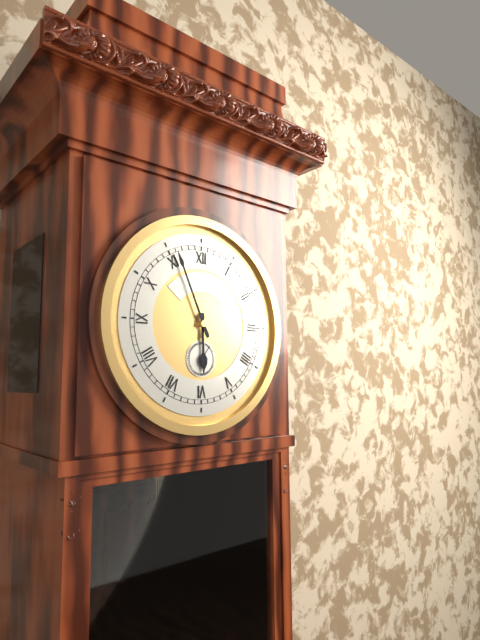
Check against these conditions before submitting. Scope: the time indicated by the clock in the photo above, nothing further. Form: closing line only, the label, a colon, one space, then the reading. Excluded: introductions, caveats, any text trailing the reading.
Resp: 5:56
